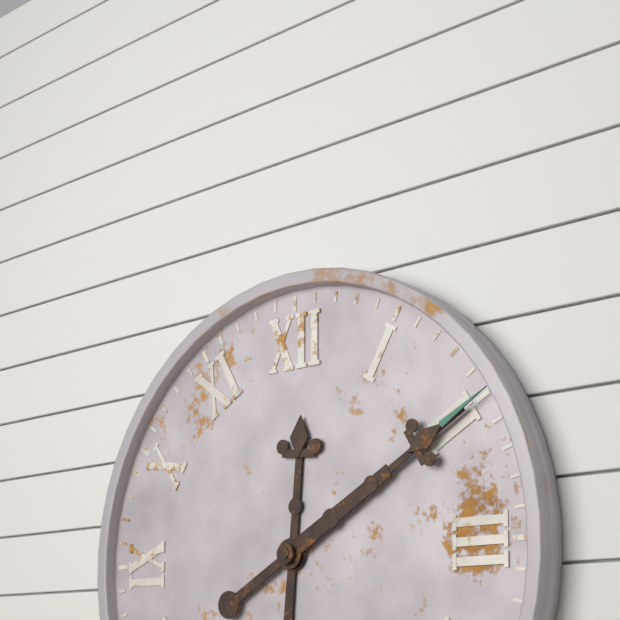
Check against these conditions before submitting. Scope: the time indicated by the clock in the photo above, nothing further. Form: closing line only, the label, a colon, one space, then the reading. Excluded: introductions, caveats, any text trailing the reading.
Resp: 12:10
